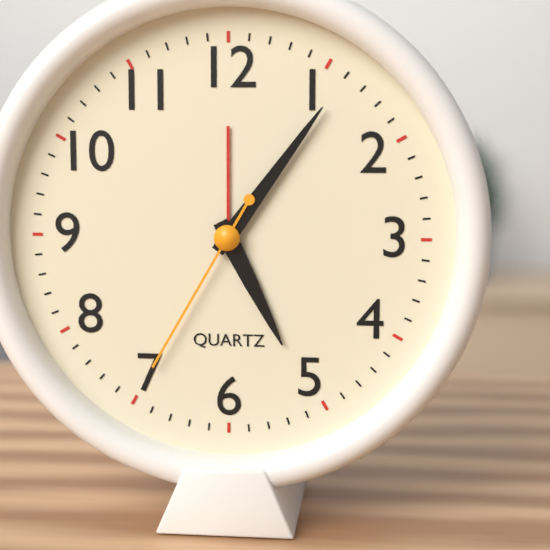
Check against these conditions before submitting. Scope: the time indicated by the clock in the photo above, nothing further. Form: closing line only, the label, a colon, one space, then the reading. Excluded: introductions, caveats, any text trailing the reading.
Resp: 5:06:35
